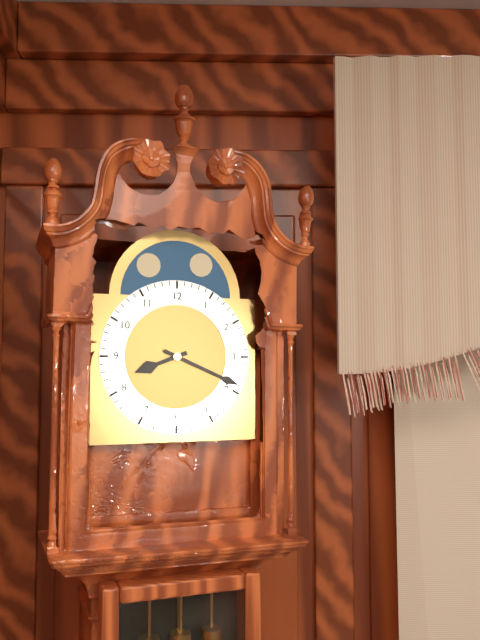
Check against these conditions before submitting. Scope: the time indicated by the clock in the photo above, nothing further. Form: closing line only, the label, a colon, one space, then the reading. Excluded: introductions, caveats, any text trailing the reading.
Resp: 8:19
